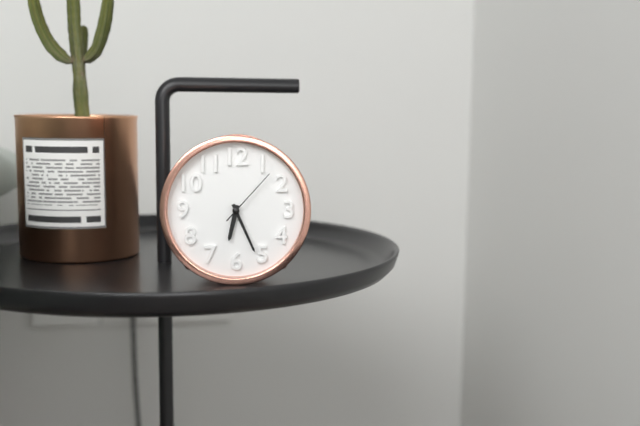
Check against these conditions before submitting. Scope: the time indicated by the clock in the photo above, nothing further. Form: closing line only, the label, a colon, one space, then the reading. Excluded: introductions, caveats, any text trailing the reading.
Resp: 6:26:07
